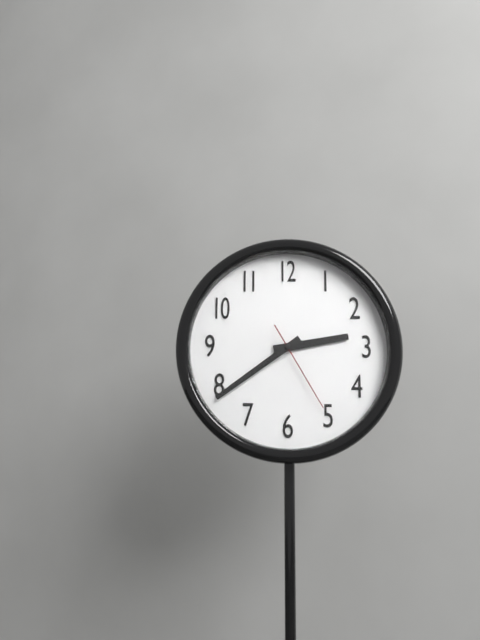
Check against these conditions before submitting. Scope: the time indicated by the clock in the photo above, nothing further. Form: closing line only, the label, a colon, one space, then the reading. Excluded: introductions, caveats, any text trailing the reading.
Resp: 2:39:25
